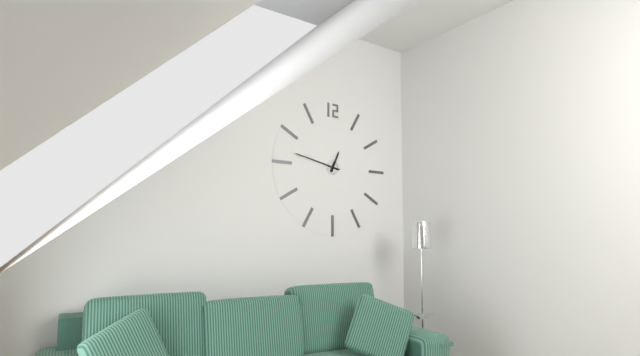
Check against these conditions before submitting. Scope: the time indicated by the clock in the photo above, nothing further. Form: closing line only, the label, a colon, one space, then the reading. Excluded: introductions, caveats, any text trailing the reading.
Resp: 12:47
